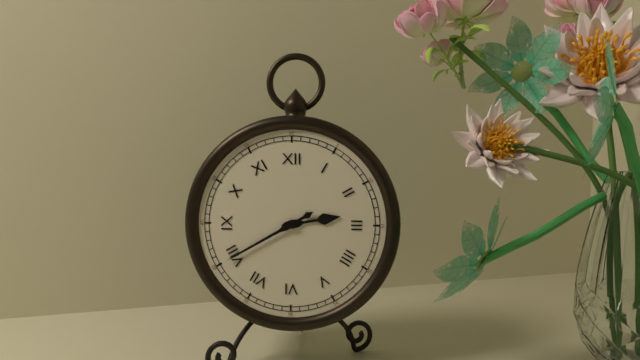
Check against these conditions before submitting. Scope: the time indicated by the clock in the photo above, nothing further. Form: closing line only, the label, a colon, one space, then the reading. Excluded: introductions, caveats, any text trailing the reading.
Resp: 2:40
